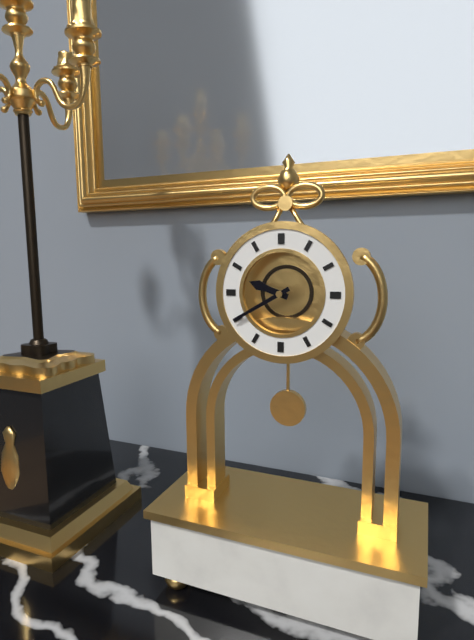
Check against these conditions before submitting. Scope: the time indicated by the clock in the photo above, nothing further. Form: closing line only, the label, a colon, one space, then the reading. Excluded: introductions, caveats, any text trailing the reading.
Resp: 9:40
